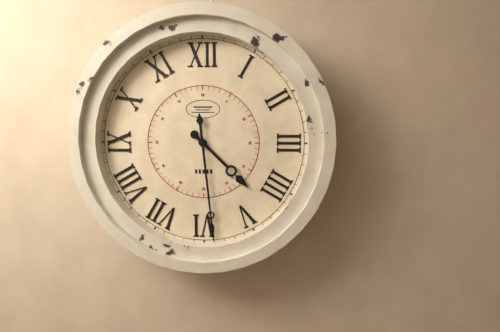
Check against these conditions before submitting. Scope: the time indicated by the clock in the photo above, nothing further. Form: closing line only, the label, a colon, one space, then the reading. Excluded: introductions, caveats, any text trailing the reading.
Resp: 4:29
